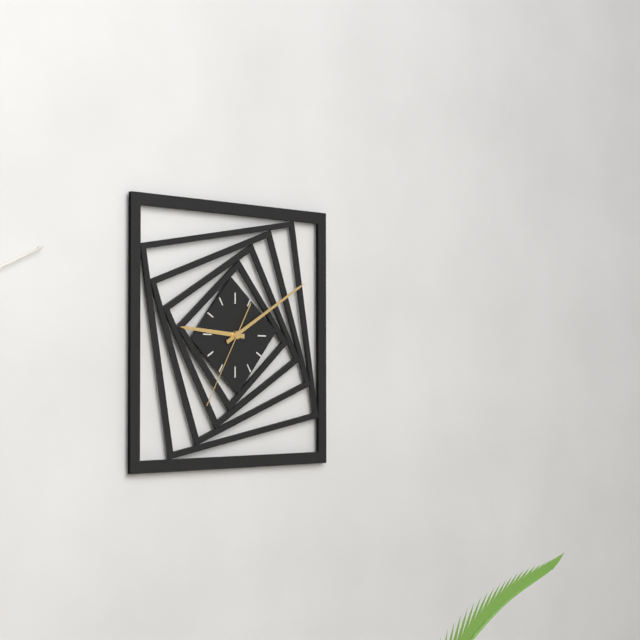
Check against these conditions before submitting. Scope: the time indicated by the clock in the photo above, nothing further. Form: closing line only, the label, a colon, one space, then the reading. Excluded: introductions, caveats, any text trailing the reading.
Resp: 9:10:35
